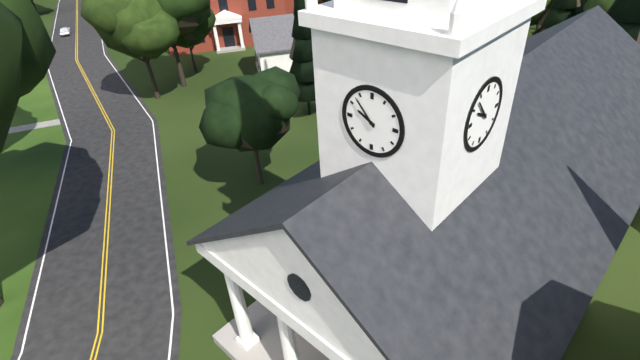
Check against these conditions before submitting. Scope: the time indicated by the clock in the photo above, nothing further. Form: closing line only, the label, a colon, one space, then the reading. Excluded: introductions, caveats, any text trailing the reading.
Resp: 9:53
